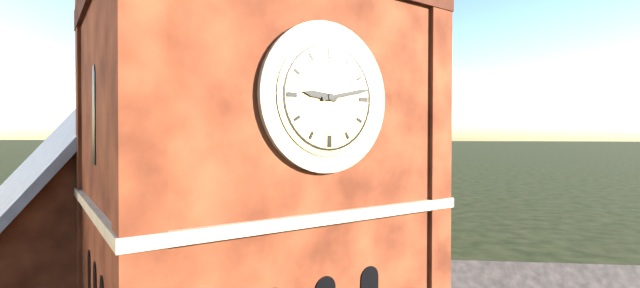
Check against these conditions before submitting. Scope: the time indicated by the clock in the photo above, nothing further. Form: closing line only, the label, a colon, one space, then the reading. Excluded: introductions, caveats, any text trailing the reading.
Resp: 9:13
